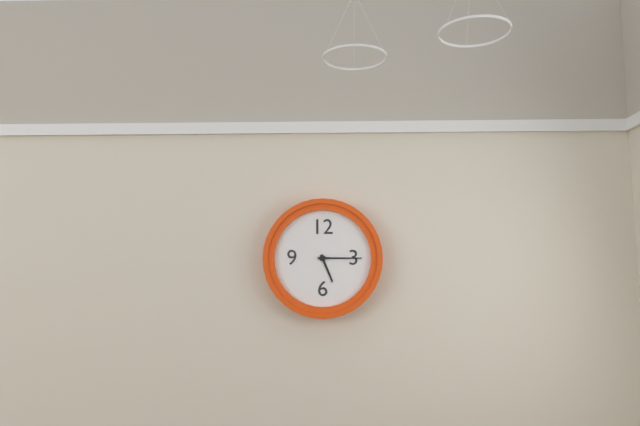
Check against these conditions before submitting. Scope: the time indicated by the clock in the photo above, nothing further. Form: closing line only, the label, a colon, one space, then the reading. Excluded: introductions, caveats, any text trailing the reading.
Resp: 5:15
